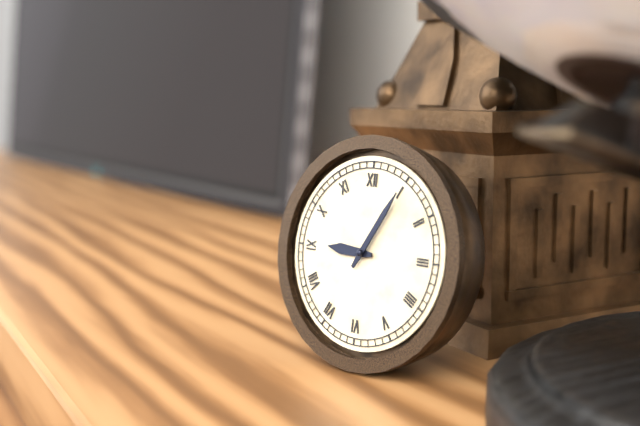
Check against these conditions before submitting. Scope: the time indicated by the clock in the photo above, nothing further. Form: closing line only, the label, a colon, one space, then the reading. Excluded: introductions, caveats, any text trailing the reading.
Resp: 9:05
